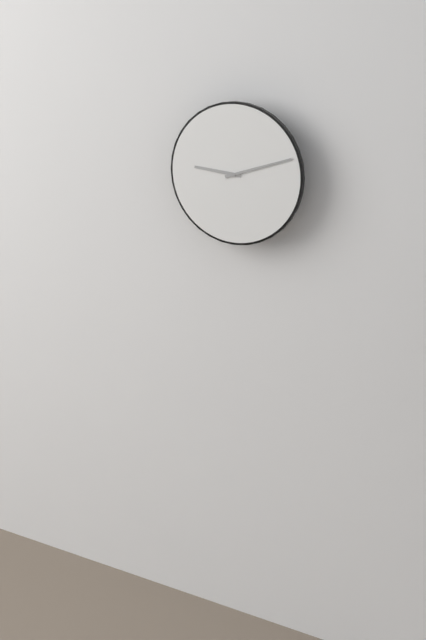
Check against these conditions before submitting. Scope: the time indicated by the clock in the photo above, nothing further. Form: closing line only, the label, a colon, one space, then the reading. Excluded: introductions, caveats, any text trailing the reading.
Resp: 9:12
